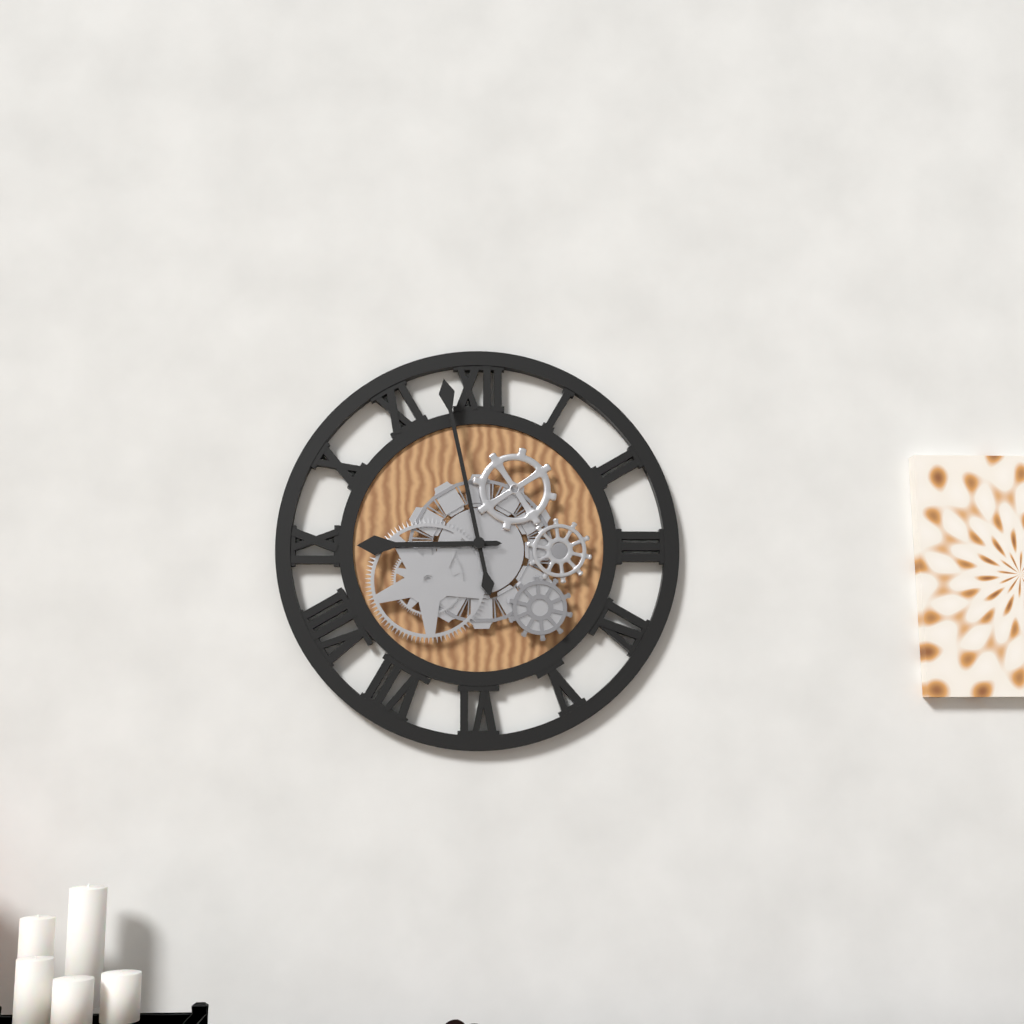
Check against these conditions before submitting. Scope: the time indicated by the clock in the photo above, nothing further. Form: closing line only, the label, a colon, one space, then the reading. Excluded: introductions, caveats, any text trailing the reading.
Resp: 8:58
